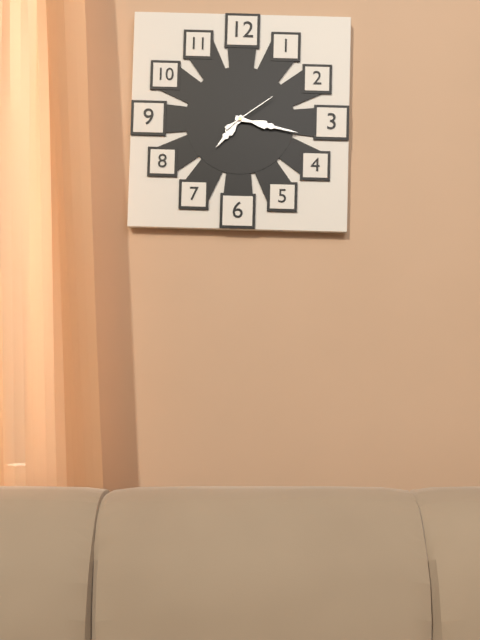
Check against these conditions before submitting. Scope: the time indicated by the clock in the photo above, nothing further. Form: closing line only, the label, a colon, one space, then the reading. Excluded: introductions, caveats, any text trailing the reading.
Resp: 7:17:09
